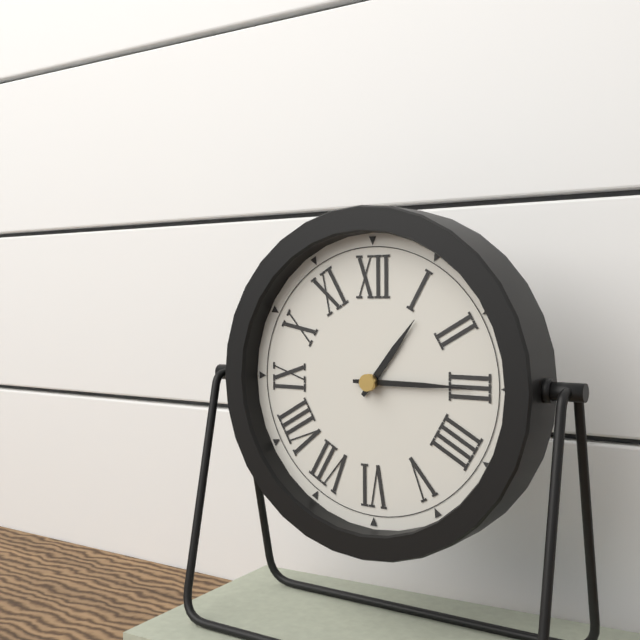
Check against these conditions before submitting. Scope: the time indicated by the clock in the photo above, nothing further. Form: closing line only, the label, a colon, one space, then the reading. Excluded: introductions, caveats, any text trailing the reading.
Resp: 1:15
